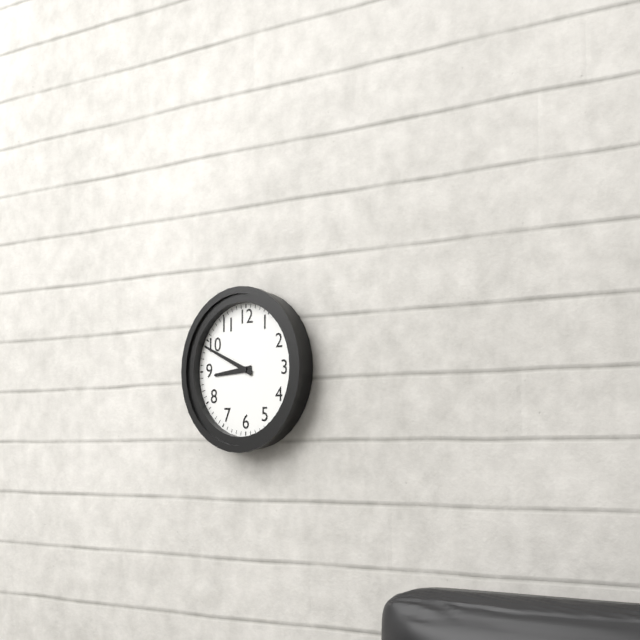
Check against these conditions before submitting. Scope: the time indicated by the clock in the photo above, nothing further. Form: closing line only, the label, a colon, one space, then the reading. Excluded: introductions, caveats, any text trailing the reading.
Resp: 8:49
